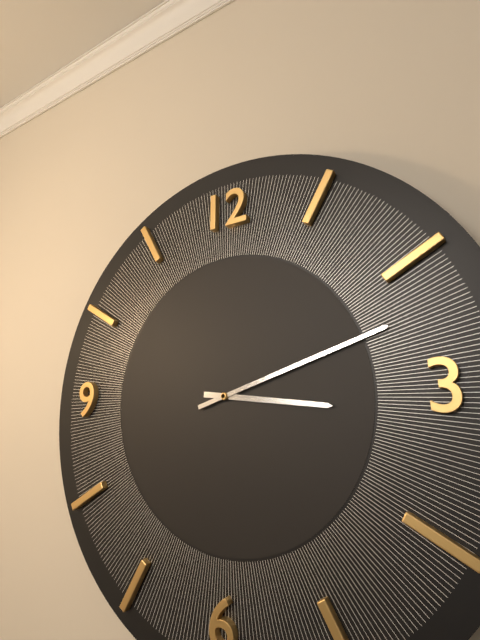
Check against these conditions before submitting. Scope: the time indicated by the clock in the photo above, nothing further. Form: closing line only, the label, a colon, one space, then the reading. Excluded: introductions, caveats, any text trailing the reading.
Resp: 3:12
